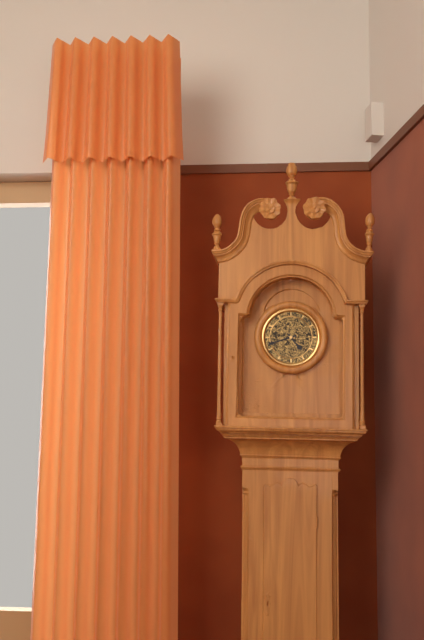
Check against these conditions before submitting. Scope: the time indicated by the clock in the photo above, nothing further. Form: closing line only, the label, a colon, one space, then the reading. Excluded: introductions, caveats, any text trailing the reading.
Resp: 4:42
